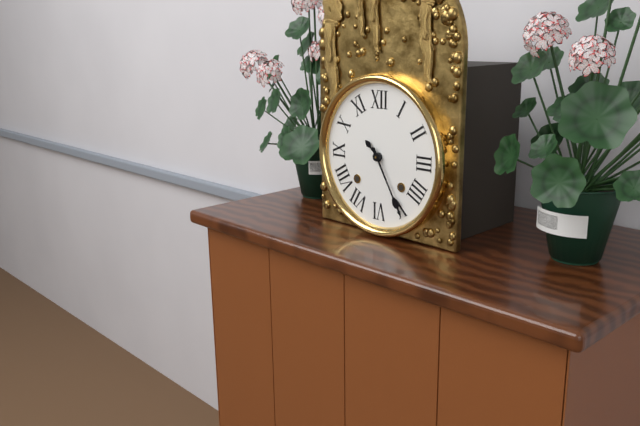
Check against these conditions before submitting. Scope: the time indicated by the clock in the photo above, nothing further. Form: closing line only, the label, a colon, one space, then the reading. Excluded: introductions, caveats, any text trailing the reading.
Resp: 10:25
